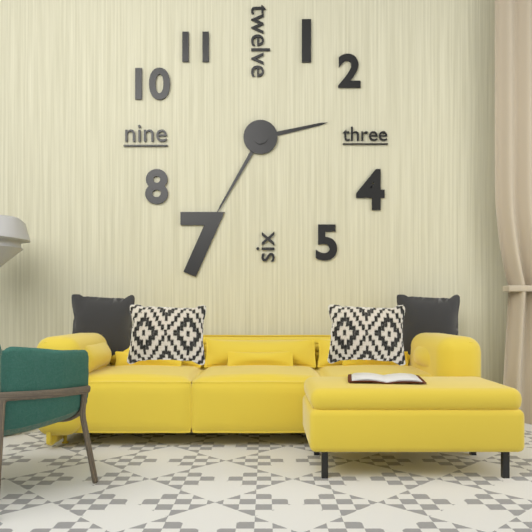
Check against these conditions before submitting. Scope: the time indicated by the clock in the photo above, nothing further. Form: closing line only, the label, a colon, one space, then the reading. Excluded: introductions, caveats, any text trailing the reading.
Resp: 2:35
